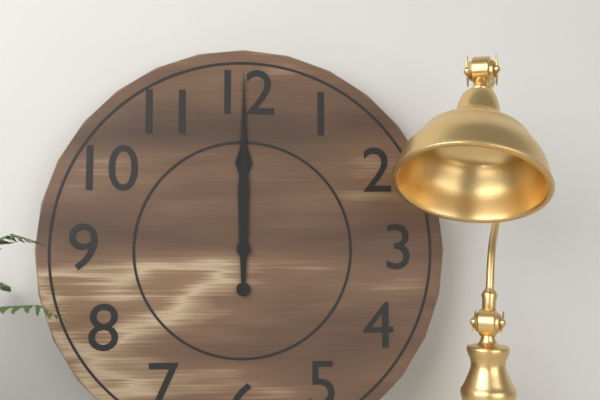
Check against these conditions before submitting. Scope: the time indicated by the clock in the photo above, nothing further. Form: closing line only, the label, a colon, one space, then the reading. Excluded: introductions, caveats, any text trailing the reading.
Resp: 12:00
